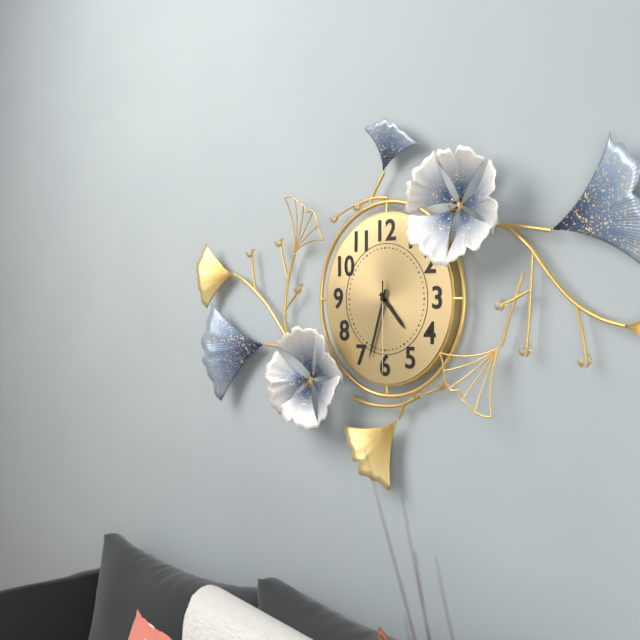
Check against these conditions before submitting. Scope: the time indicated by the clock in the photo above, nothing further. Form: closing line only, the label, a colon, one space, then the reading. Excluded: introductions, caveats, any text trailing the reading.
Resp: 4:33:30
